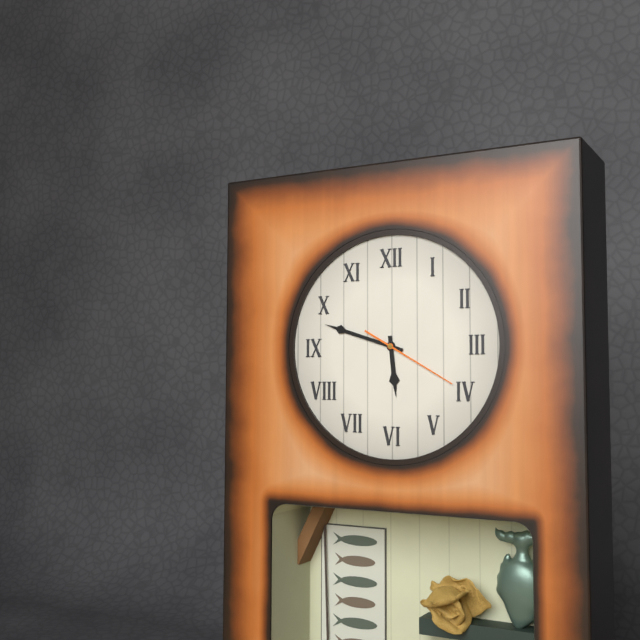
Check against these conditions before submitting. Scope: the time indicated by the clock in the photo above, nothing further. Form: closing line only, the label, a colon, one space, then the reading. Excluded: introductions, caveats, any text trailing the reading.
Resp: 5:48:20
